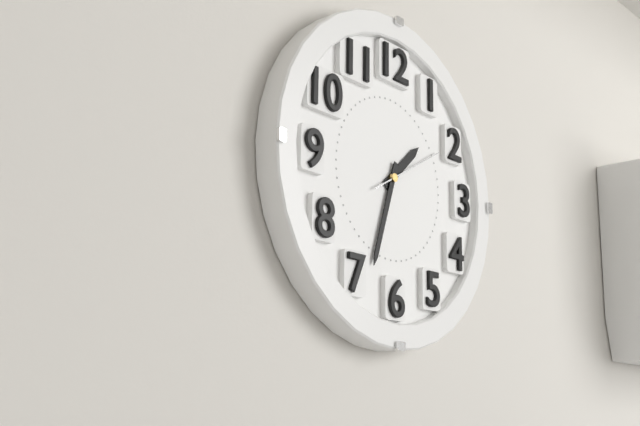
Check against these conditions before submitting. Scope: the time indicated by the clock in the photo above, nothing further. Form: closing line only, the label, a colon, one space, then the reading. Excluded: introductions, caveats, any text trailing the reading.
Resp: 1:33:10
